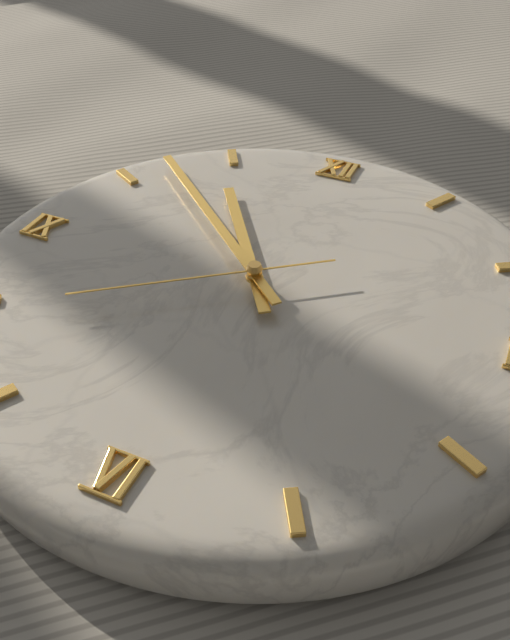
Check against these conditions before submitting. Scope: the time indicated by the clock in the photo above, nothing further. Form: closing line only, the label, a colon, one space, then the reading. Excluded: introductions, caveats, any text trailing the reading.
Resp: 10:52:39
